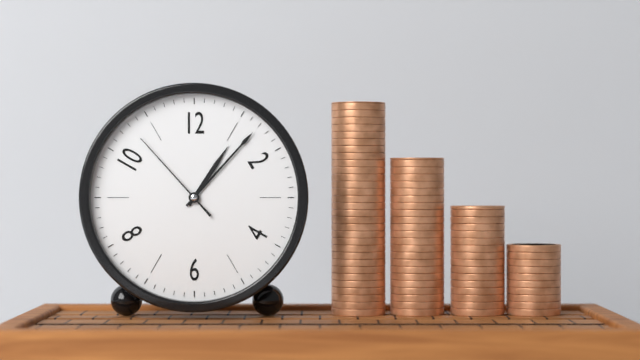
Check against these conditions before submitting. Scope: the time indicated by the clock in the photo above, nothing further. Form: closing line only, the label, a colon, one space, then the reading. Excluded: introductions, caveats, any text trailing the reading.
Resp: 1:07:53
